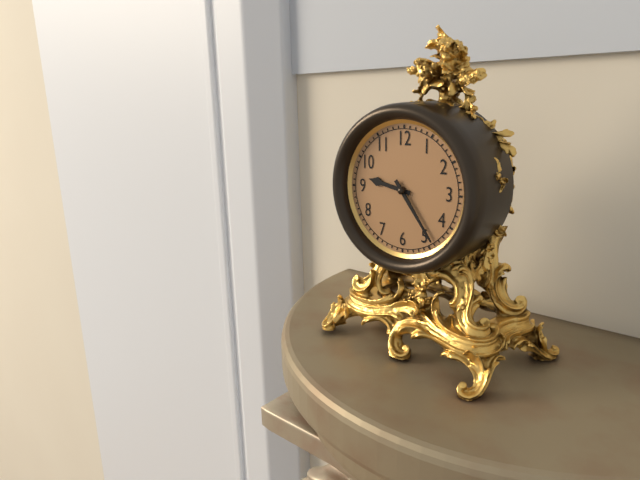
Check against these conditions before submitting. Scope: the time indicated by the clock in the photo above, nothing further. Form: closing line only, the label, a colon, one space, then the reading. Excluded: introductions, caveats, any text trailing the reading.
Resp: 9:24
